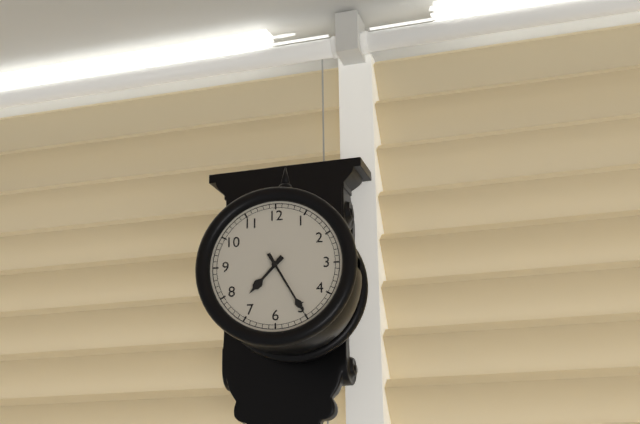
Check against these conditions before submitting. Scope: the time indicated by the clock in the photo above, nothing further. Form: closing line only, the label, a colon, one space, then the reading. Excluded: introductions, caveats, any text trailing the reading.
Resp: 7:25
